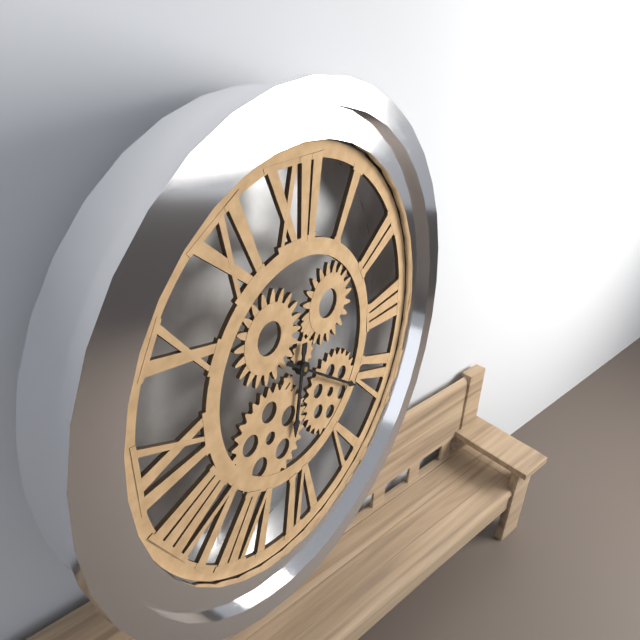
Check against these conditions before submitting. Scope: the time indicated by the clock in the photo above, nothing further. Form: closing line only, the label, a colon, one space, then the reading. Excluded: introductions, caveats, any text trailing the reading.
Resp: 6:21
